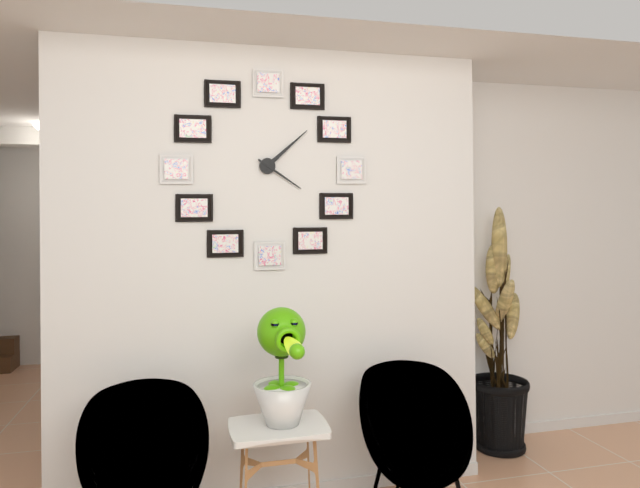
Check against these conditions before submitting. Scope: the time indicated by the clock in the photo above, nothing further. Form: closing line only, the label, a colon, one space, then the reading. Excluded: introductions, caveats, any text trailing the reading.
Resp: 4:08
